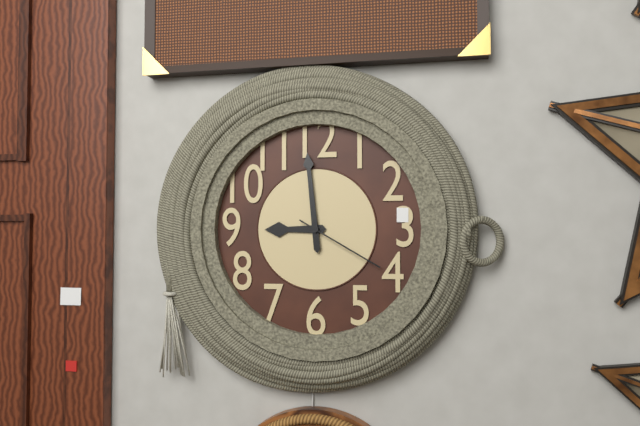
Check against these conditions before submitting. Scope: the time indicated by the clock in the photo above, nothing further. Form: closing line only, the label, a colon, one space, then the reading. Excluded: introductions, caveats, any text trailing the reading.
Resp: 8:59:20
